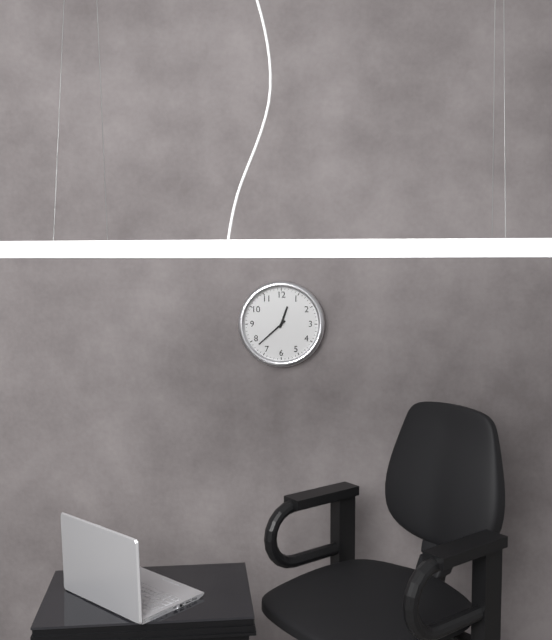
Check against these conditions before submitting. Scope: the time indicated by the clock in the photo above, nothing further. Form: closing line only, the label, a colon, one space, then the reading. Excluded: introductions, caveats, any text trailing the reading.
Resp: 12:38
